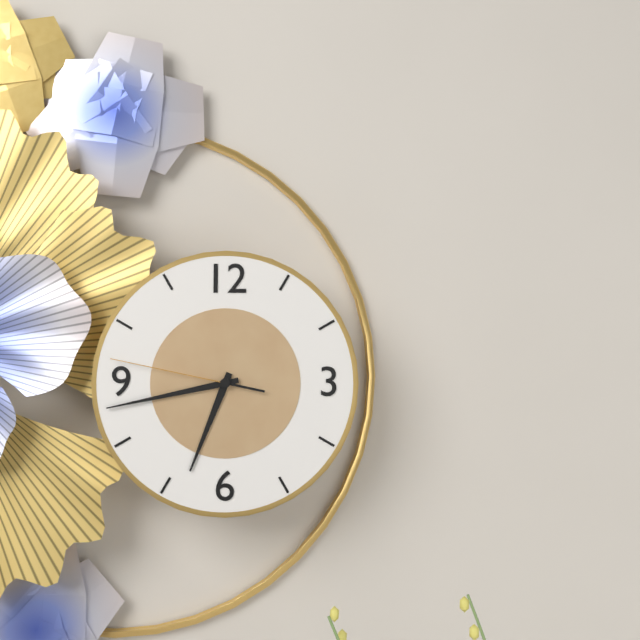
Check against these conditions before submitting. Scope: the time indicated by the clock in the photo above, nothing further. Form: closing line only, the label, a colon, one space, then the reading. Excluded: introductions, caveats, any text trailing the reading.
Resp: 6:43:47
